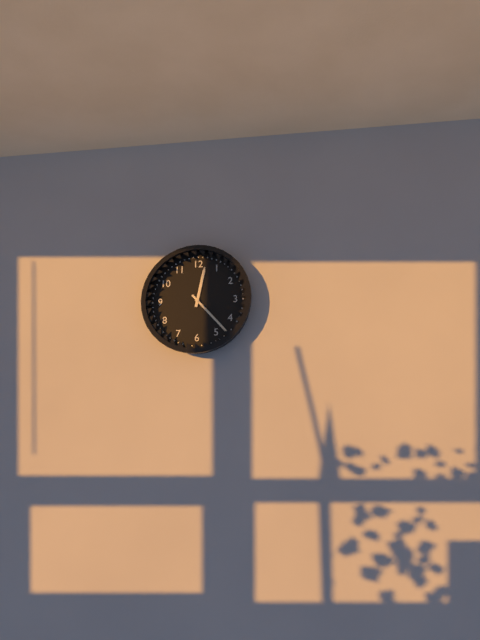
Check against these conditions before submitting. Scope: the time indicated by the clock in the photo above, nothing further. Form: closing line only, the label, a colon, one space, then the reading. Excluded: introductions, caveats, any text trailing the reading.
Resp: 12:23
